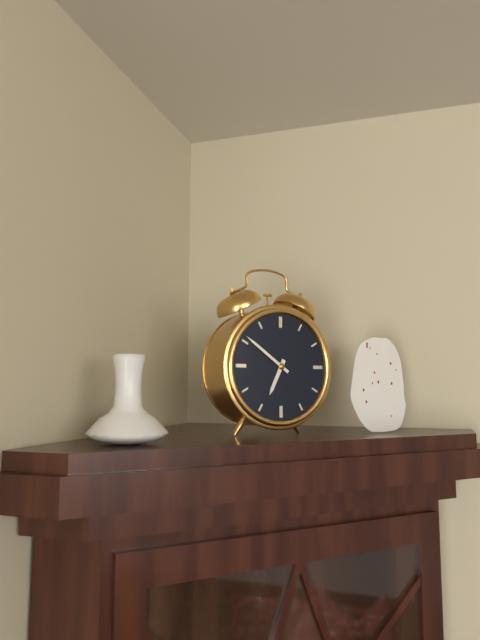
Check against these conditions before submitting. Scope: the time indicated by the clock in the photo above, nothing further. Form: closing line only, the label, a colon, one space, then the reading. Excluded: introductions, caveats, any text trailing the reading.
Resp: 6:51
